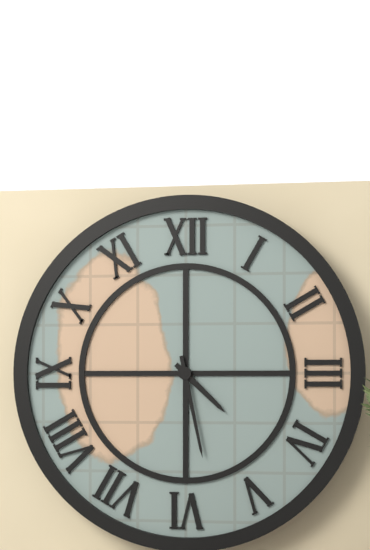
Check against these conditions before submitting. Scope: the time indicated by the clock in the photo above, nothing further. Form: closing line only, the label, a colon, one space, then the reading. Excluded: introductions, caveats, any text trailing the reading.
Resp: 4:28
